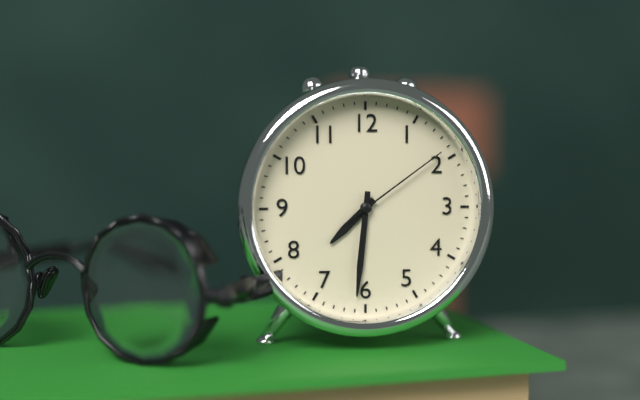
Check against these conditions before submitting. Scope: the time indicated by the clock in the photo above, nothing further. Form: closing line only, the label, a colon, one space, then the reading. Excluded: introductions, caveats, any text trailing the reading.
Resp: 7:31:09
